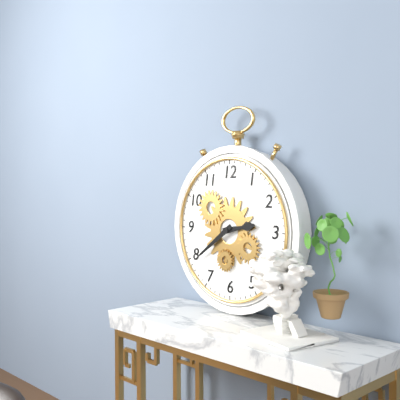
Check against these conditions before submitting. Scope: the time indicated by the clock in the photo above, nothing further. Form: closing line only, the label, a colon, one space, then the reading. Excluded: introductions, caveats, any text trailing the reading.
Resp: 2:39
